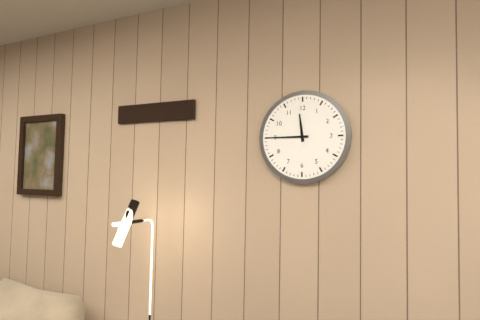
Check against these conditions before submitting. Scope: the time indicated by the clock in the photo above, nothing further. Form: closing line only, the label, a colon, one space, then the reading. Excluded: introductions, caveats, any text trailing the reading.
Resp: 11:45
